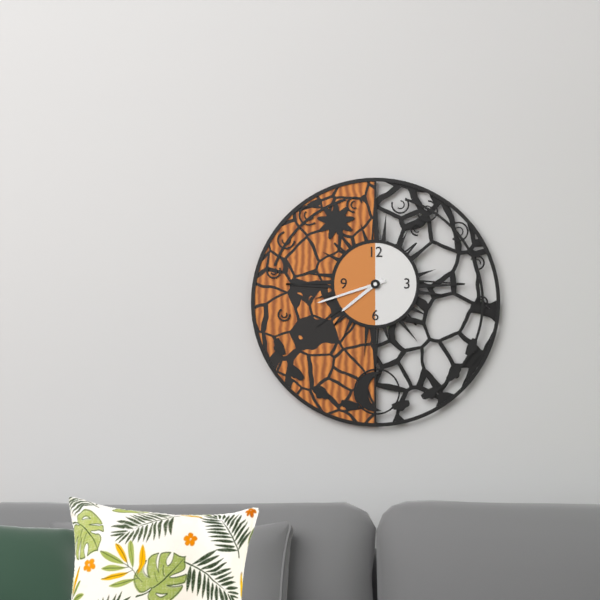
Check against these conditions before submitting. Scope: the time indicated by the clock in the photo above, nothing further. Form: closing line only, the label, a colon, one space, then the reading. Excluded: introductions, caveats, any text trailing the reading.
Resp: 7:42
